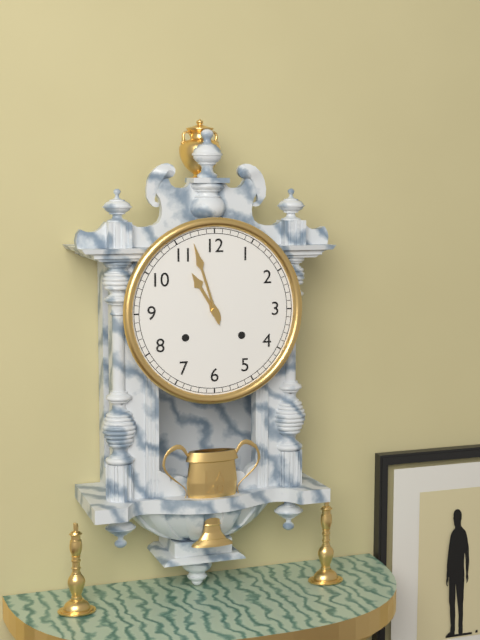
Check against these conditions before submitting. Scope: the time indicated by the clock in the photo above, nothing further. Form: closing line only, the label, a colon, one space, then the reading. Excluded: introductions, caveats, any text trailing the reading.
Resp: 10:57
